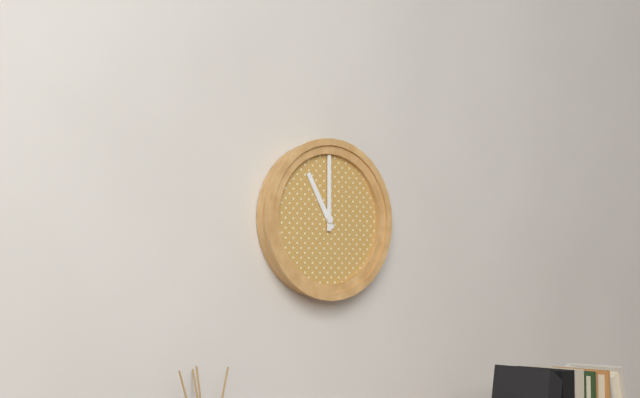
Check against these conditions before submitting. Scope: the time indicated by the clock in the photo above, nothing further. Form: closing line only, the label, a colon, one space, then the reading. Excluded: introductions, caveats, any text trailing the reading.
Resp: 11:00
